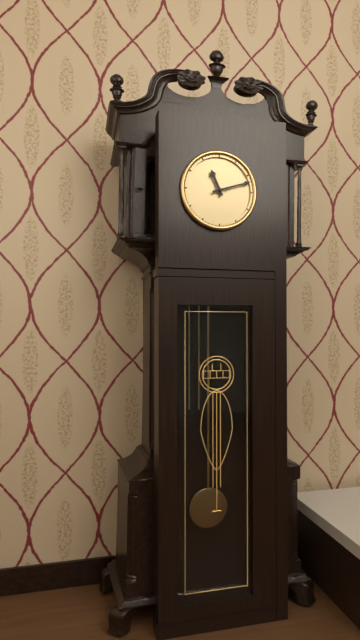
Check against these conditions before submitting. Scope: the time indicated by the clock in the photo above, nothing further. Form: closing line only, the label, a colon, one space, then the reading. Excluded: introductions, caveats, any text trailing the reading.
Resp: 11:12
